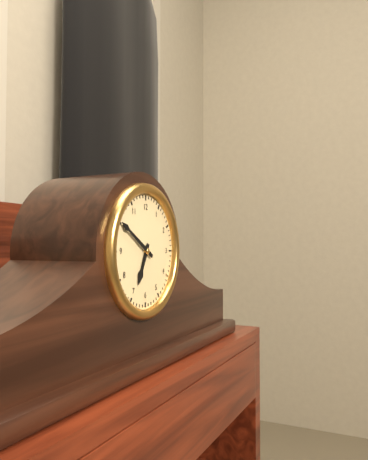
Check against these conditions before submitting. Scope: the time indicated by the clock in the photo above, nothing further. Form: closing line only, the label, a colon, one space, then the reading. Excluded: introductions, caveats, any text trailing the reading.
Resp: 6:50
